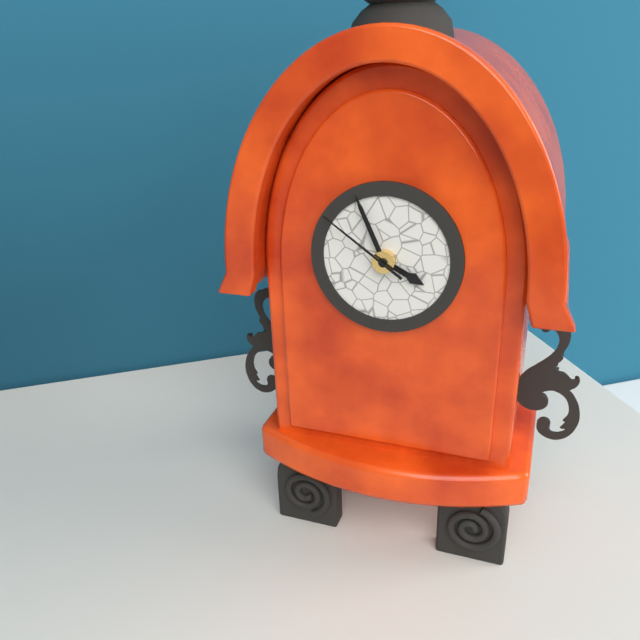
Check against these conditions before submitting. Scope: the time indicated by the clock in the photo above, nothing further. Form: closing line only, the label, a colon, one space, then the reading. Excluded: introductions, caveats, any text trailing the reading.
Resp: 3:56:51
